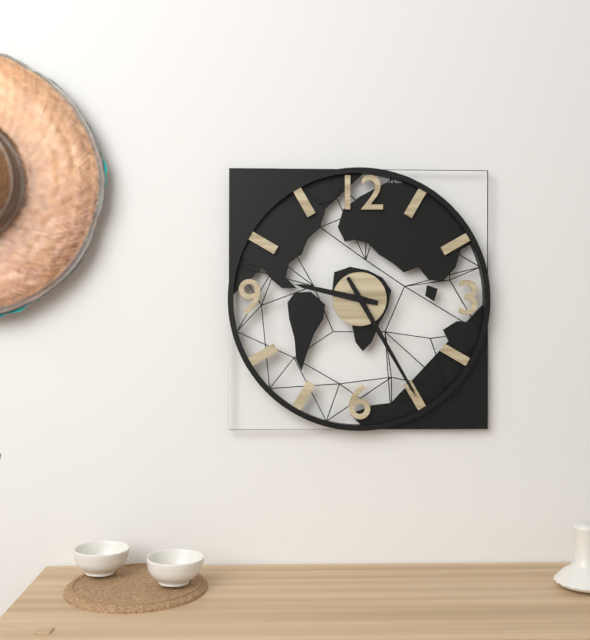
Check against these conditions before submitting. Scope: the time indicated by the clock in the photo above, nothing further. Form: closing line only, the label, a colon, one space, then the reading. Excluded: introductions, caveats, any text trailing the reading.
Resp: 9:25
